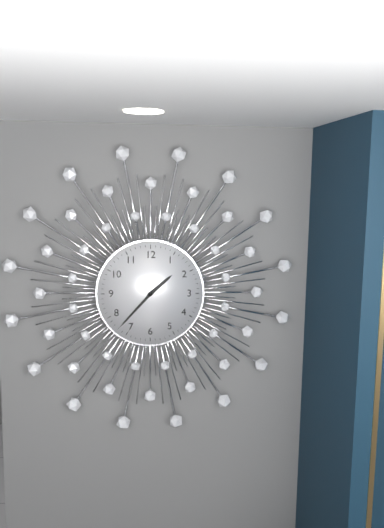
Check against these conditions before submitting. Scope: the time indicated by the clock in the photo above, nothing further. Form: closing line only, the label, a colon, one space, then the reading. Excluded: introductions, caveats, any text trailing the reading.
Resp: 1:37
